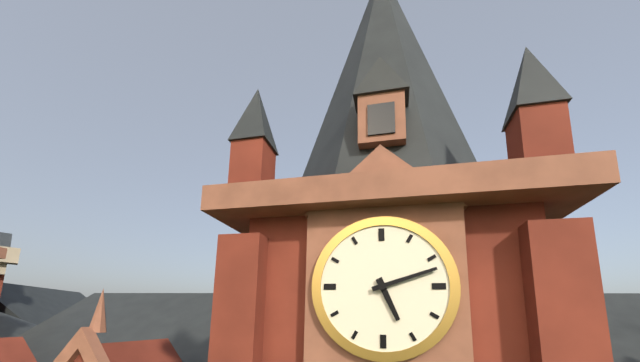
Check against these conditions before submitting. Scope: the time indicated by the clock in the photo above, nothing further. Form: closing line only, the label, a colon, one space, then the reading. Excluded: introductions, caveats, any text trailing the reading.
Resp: 5:12
